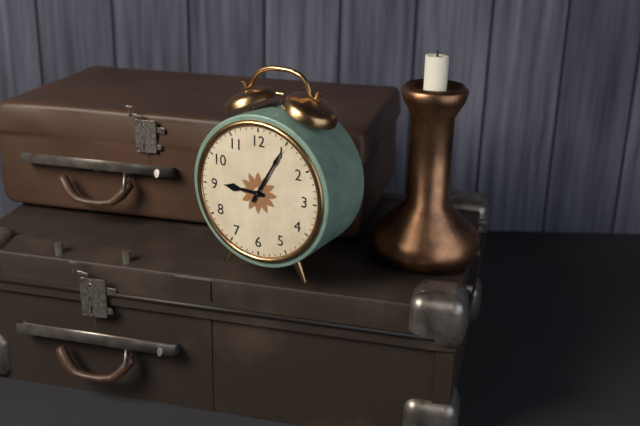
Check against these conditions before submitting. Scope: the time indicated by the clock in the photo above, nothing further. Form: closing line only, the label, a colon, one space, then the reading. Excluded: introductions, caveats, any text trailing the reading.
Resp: 9:05
